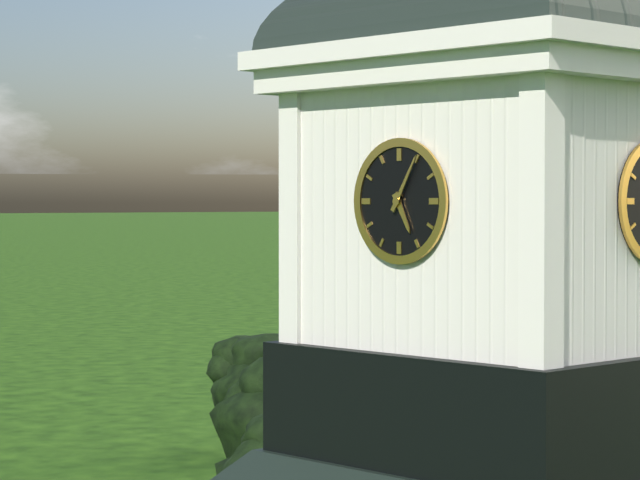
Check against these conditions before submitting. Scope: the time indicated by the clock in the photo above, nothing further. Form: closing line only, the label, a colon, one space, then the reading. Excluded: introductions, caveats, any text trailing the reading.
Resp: 5:05
